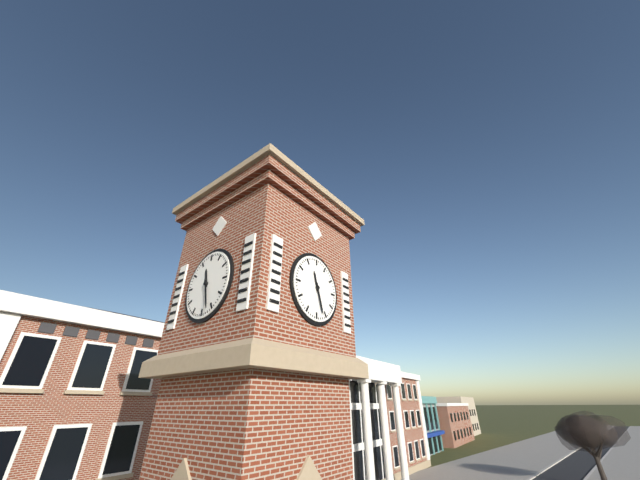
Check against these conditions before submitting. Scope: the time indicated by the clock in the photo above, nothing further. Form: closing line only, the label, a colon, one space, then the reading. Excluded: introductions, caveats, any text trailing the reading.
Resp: 11:27
